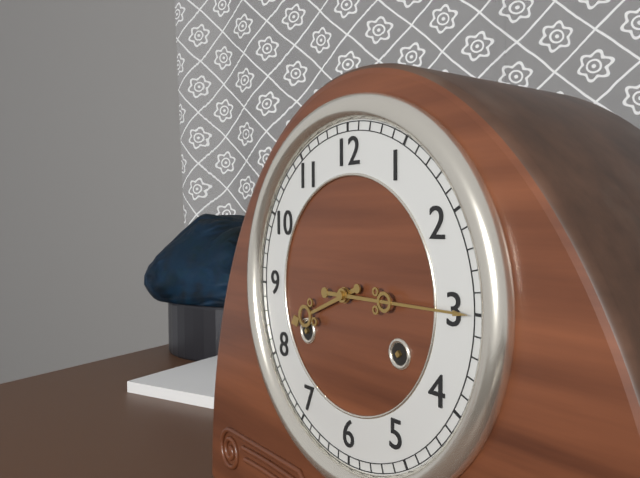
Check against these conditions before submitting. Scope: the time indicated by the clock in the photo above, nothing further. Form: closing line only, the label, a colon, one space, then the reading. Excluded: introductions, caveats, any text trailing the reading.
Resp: 8:15
